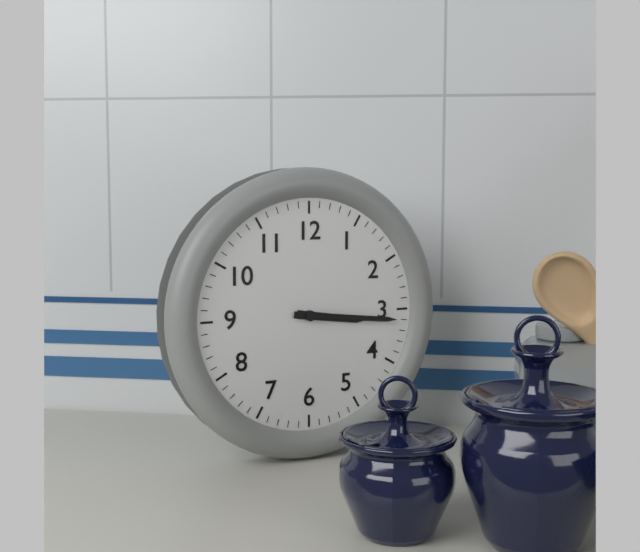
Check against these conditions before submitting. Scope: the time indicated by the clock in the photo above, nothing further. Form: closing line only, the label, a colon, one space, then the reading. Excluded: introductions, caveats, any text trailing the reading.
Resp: 3:16
